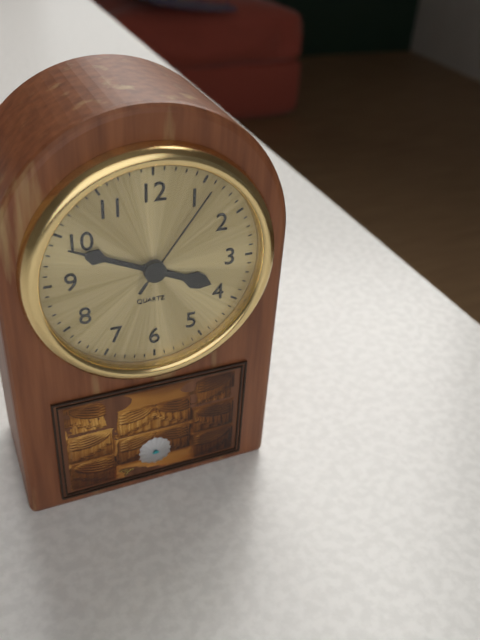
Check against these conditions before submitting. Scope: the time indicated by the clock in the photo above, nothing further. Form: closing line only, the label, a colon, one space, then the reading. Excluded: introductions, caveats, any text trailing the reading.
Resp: 3:49:06
